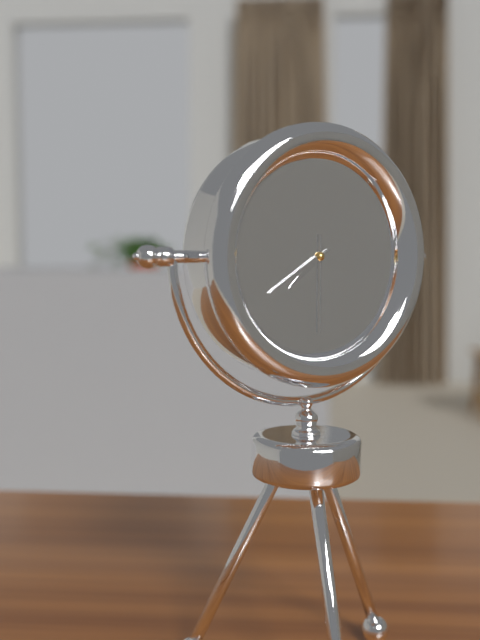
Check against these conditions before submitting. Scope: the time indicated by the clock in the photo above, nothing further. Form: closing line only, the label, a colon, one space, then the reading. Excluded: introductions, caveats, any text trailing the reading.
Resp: 7:40:30
